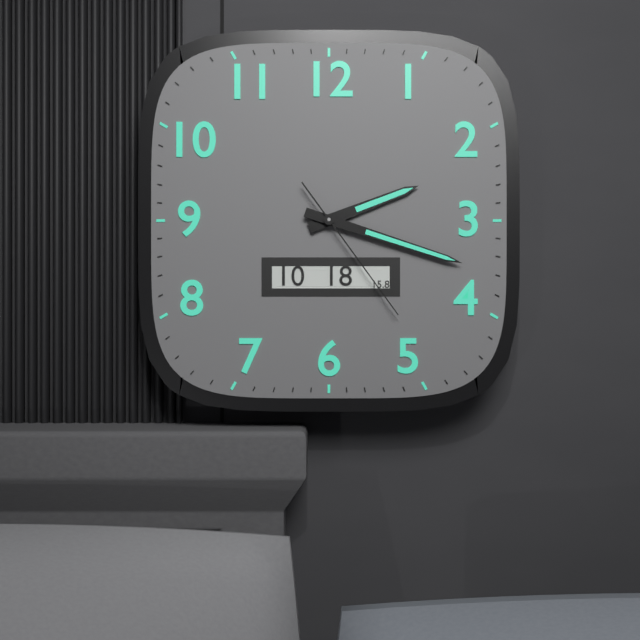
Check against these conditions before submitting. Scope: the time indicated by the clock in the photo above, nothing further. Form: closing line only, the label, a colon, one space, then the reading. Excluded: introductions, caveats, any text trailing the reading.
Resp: 2:18:24
